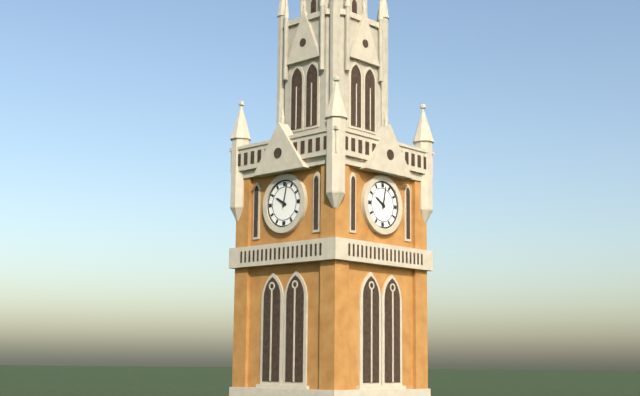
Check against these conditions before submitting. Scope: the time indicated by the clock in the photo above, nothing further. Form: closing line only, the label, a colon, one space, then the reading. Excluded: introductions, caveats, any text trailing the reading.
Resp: 10:02
